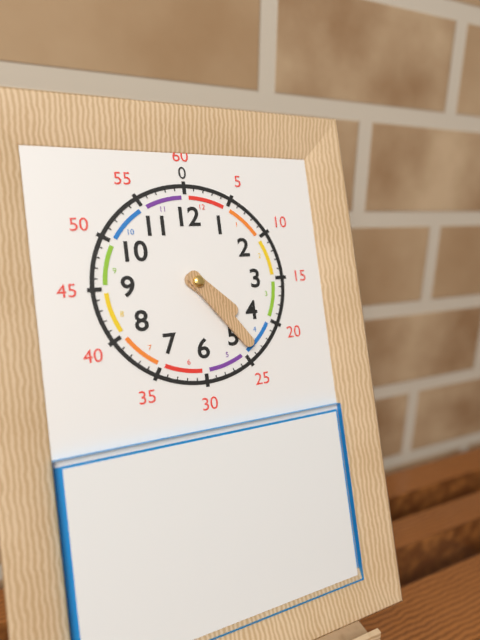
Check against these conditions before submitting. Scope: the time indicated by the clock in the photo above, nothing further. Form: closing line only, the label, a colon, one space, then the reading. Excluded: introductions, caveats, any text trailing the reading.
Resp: 4:24
